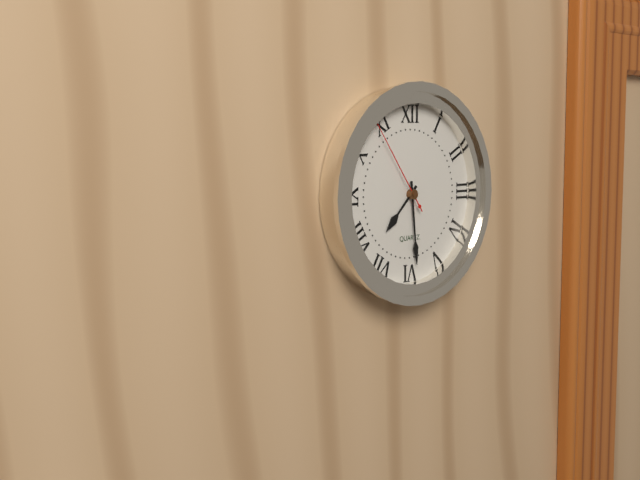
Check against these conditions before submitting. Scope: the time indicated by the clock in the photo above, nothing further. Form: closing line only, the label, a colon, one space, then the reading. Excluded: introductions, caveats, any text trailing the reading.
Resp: 7:29:54
